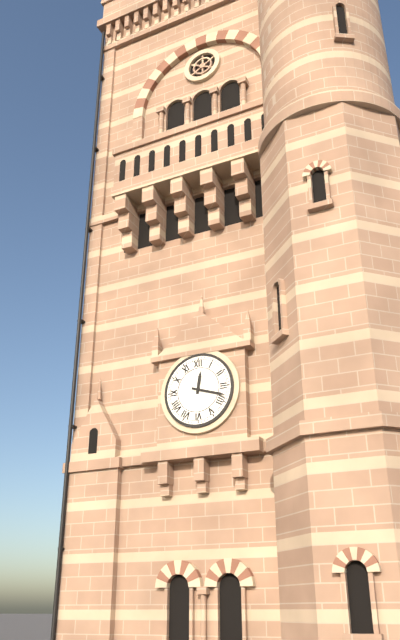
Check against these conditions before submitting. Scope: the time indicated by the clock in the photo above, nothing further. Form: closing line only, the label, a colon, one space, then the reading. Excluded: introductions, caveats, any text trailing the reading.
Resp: 12:18
